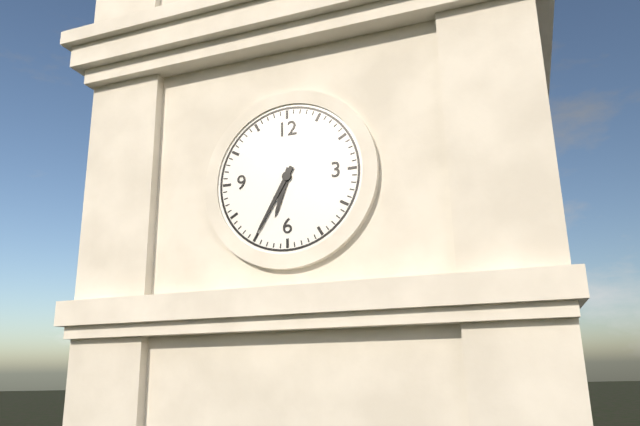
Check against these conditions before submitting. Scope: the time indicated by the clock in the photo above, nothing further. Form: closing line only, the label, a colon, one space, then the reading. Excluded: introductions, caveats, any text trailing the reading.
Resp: 6:35
